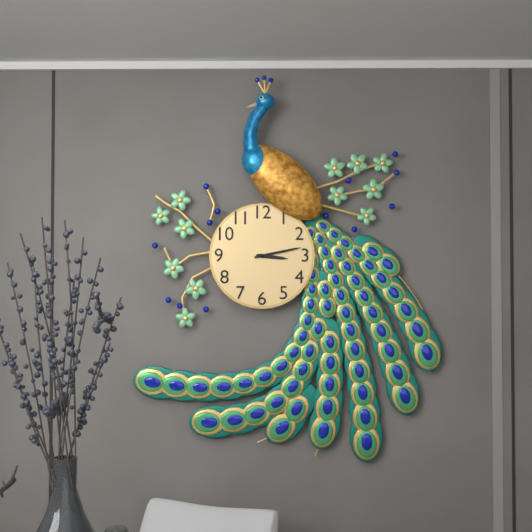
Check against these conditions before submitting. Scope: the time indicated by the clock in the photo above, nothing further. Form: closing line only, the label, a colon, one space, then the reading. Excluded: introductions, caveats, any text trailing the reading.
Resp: 3:13
